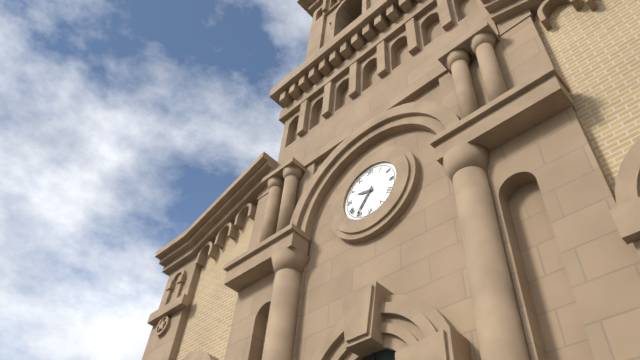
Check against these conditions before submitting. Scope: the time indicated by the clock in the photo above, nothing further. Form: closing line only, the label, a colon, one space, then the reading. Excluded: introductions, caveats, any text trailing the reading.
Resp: 9:36
